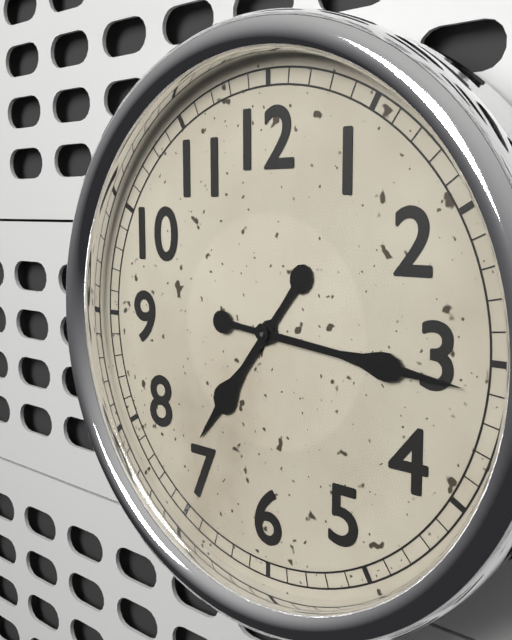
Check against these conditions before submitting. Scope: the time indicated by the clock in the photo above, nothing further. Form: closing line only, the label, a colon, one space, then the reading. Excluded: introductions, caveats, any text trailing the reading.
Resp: 7:16
